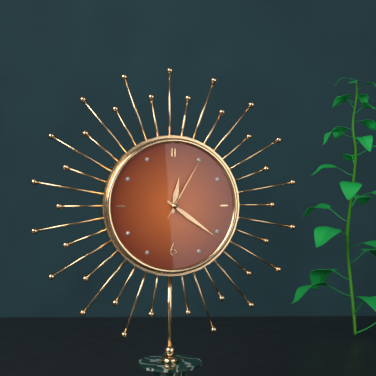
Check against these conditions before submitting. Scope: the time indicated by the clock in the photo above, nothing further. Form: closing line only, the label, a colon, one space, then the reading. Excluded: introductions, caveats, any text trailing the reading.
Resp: 12:21:05
